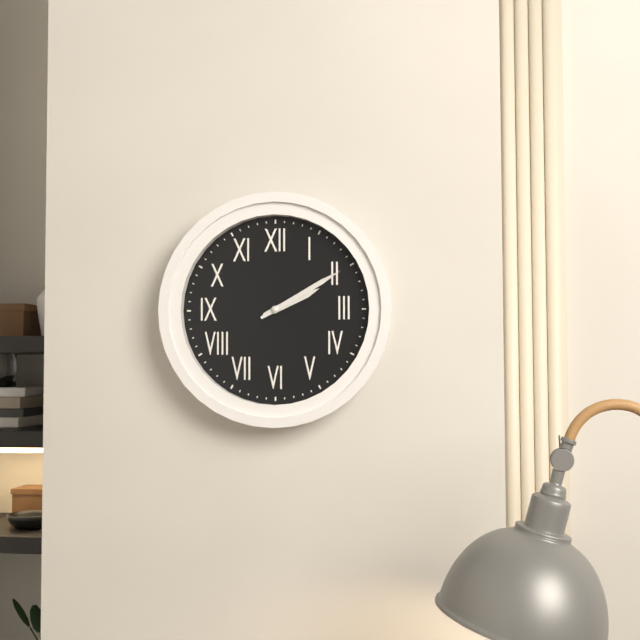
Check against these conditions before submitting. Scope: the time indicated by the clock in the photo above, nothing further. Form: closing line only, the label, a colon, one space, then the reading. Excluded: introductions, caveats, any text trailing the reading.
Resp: 2:10
